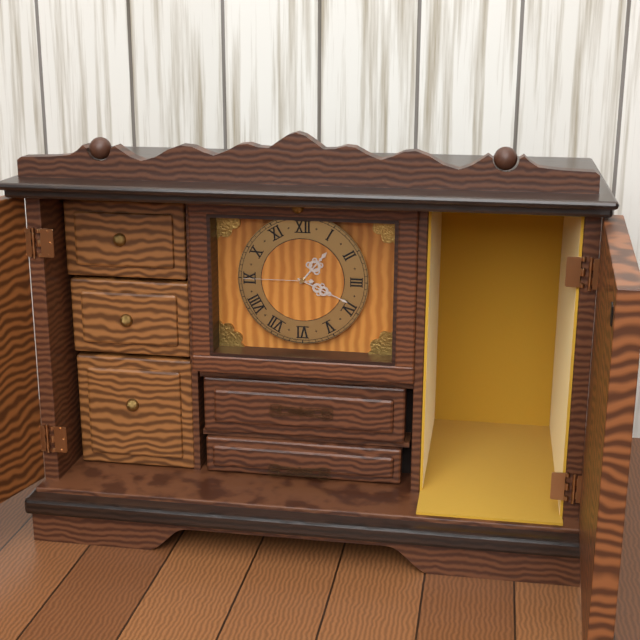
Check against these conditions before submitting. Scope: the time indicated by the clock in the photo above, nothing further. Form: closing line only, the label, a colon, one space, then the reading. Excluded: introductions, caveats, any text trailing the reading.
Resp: 1:19:45
